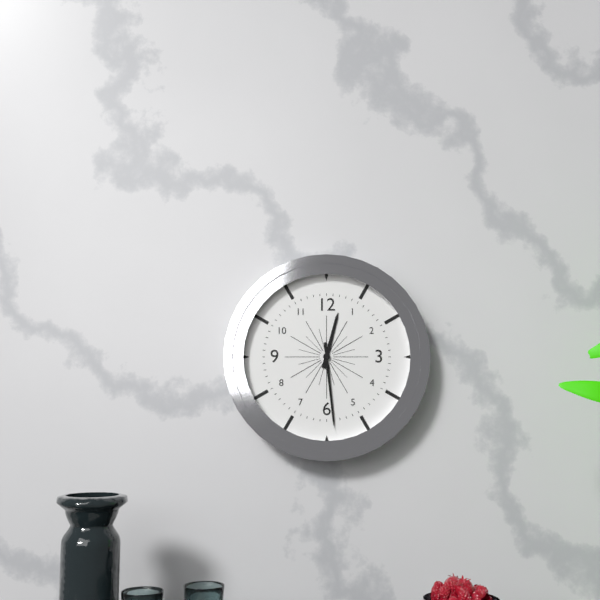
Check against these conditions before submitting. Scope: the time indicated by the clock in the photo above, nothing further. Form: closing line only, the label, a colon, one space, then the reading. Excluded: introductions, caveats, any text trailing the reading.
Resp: 12:29
